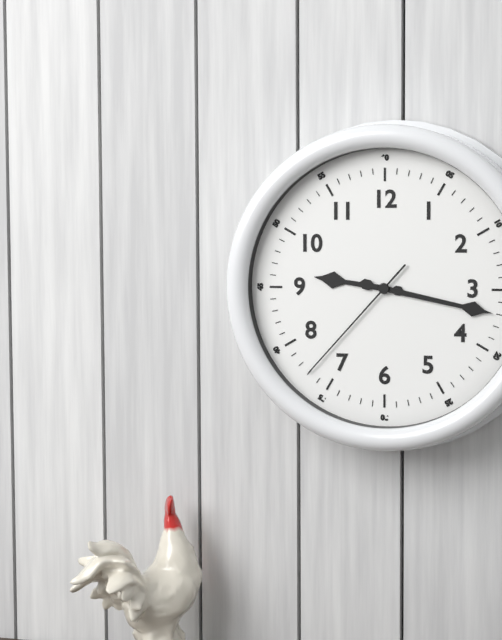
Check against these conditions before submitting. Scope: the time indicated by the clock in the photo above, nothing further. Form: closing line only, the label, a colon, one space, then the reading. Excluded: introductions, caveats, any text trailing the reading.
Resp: 9:17:37
